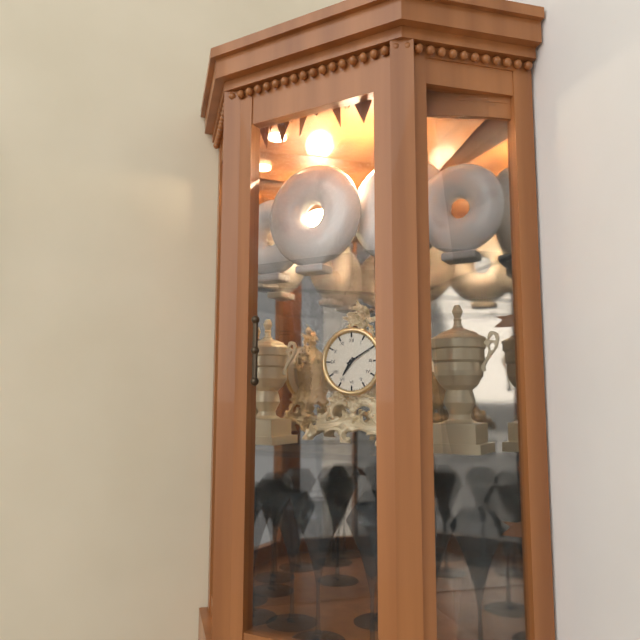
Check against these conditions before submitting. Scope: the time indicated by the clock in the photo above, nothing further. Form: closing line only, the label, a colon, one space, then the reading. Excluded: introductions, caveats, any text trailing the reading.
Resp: 7:10
